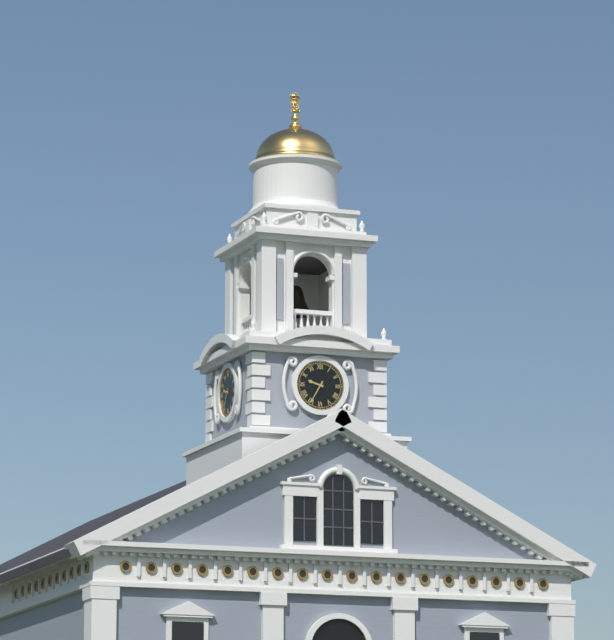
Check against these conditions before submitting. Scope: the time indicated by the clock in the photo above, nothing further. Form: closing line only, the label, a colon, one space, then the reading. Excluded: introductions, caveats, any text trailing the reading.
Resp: 9:35
